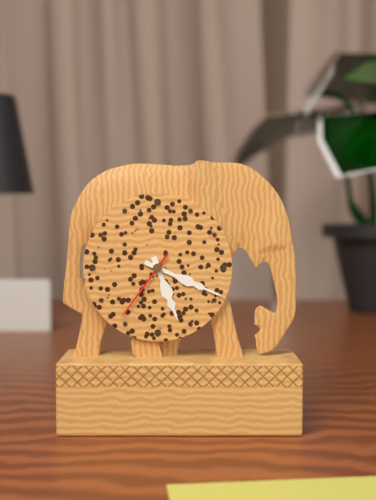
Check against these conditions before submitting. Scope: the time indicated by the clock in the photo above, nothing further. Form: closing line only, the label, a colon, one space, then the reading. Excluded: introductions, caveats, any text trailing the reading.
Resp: 5:19:36
